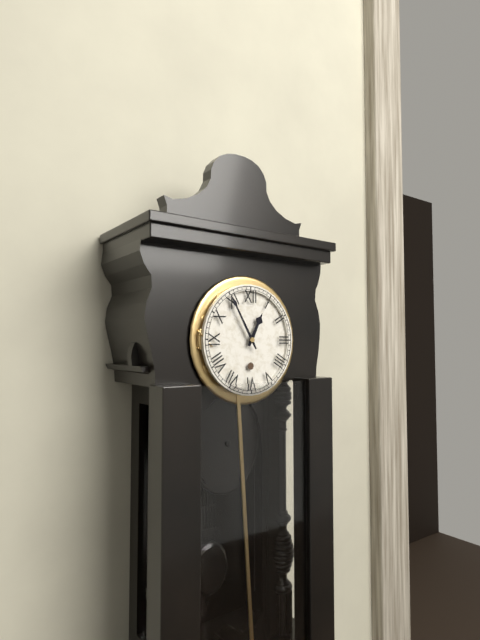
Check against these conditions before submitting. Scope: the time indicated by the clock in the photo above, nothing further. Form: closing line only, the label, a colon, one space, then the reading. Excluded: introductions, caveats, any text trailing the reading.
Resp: 12:55
